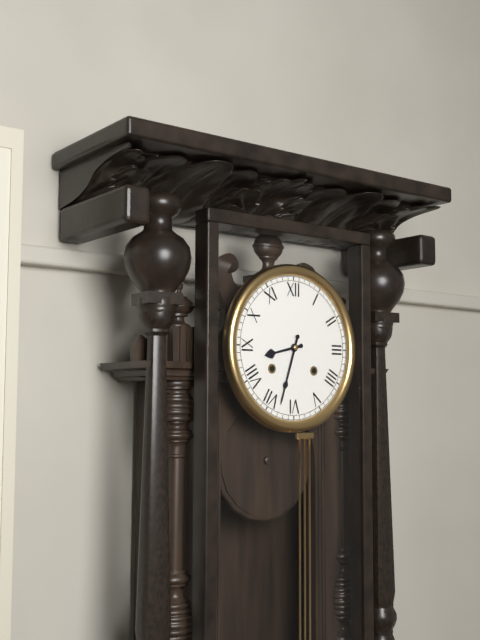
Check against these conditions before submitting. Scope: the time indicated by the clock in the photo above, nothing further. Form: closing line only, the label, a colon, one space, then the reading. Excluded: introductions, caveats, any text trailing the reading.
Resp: 8:33
